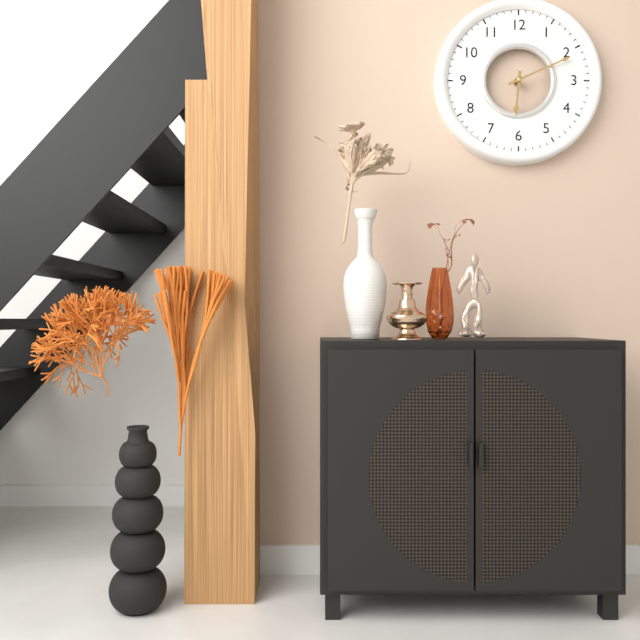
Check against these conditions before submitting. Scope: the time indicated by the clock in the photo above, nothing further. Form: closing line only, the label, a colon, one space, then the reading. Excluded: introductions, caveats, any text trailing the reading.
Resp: 6:11
